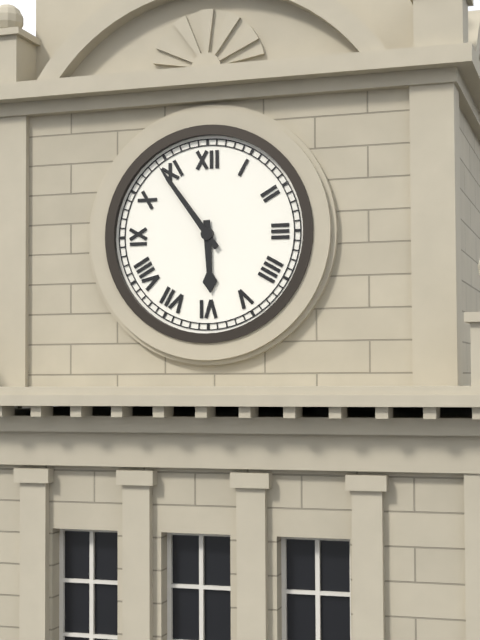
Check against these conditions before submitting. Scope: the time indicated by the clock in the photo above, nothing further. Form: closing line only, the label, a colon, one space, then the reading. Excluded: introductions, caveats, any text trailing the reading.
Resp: 5:54
